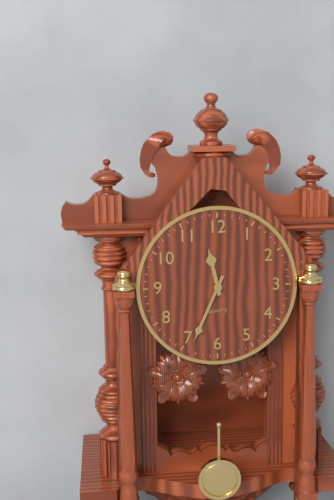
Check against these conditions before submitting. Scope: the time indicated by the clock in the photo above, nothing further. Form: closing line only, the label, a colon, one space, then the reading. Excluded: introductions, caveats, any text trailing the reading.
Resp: 11:34
